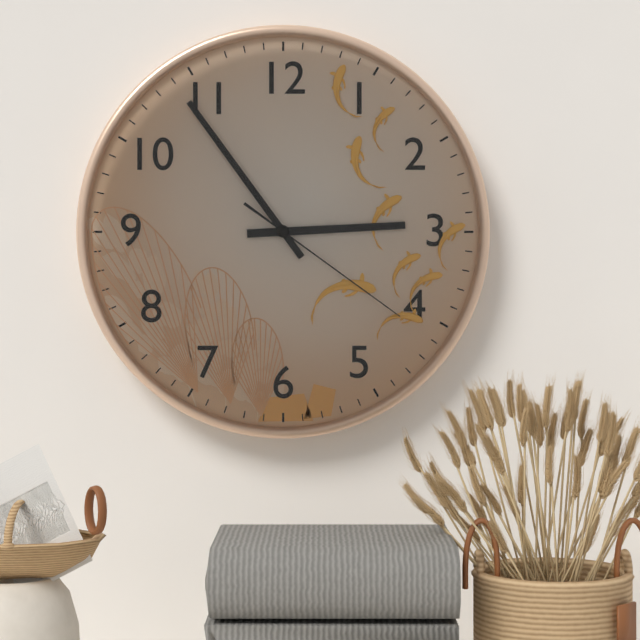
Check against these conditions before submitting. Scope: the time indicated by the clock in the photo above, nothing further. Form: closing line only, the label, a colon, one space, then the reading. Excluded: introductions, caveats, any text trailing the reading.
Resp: 2:54:21
